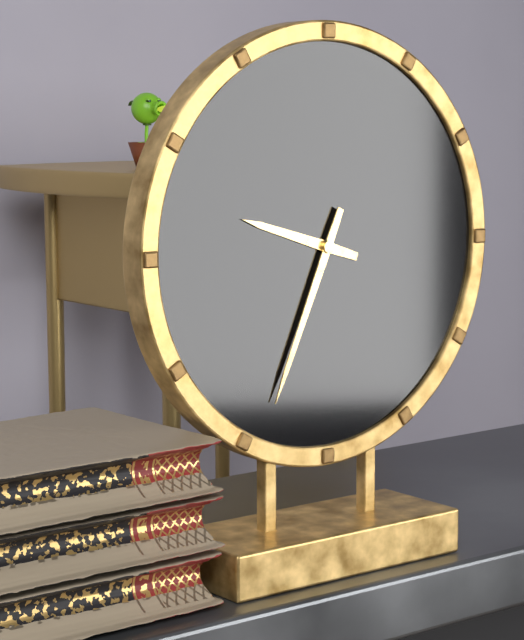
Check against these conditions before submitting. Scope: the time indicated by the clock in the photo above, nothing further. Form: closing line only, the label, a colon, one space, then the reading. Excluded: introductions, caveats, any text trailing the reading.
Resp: 9:34
